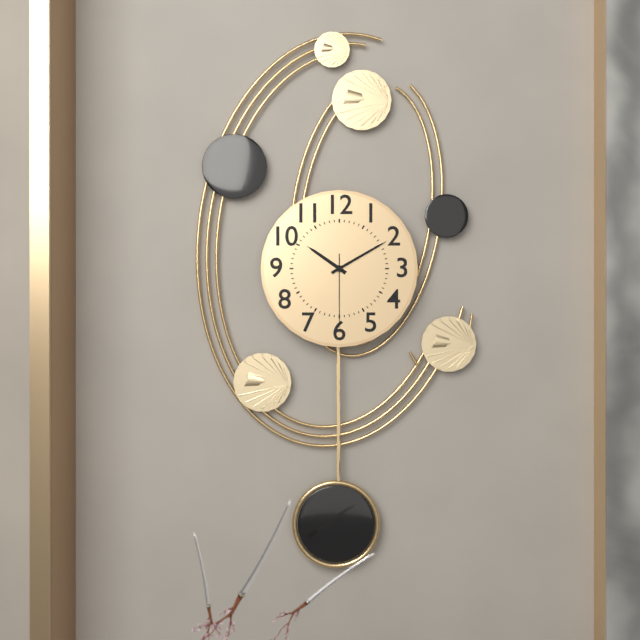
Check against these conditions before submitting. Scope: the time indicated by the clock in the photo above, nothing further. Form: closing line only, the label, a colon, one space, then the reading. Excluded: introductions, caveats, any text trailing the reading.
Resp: 10:10:30
